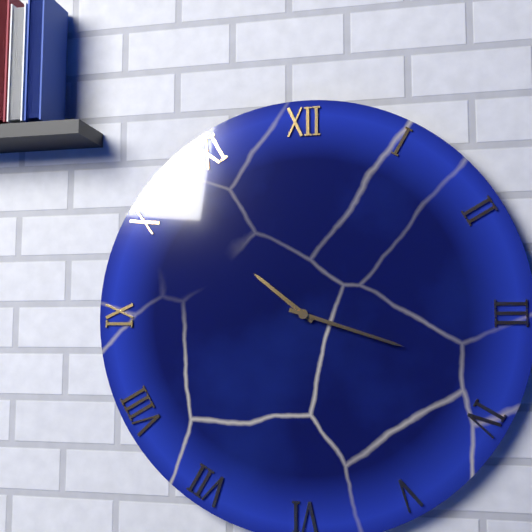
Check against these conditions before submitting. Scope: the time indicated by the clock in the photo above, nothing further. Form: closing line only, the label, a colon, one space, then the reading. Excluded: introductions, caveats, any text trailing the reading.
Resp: 10:18
